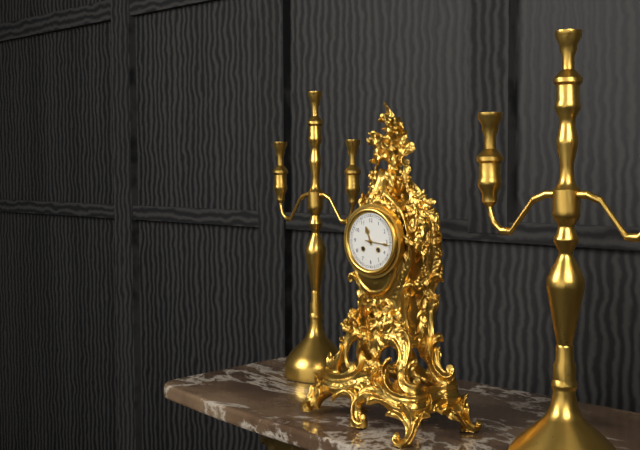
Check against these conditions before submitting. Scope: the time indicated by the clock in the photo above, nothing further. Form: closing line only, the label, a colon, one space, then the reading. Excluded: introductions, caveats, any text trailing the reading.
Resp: 11:16
